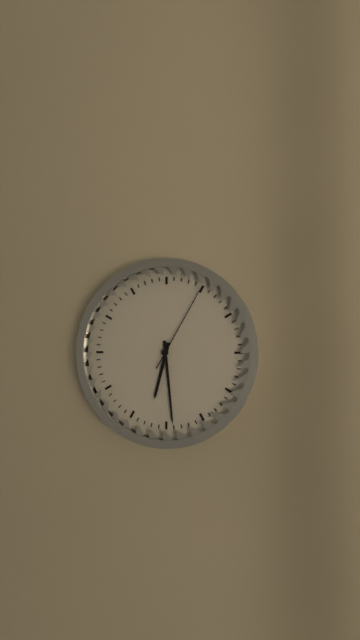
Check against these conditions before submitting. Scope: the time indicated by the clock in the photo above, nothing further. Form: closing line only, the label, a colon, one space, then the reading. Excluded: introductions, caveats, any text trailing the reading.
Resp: 6:29:05
